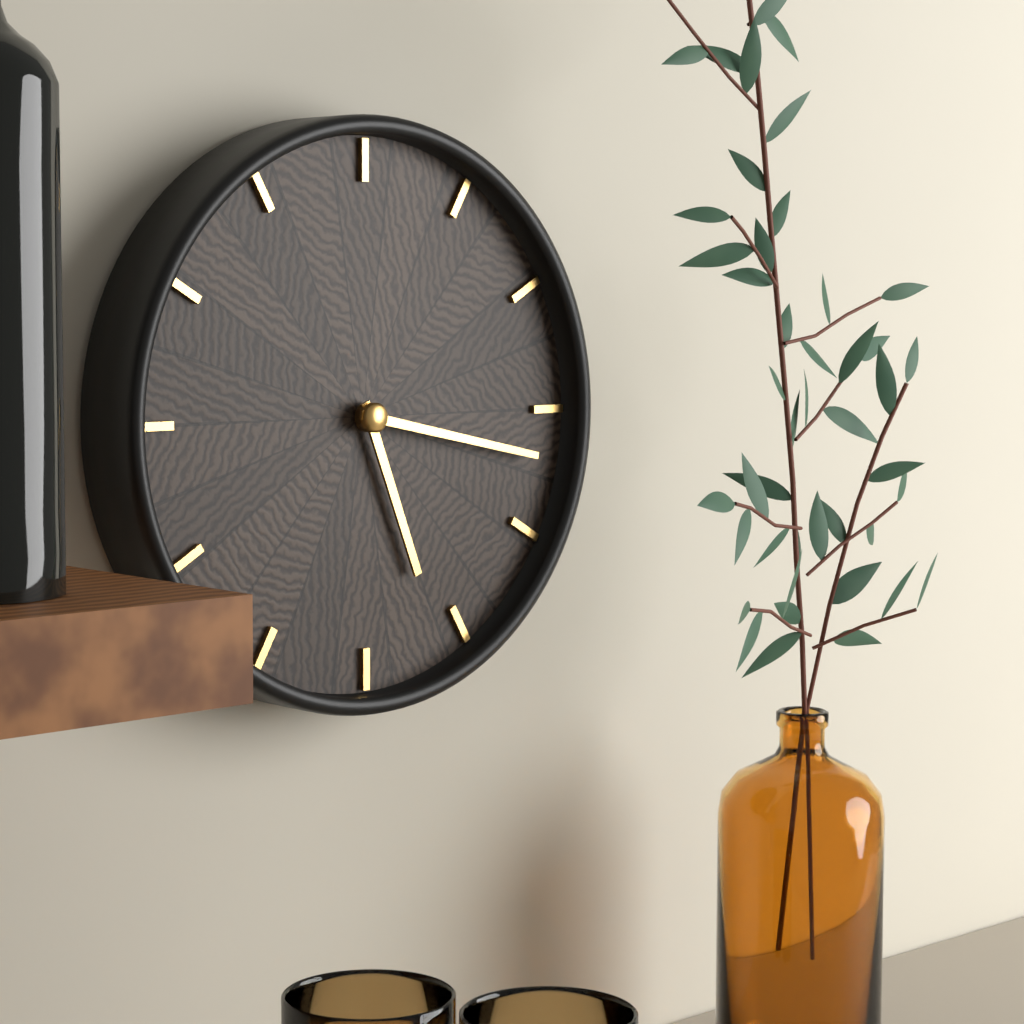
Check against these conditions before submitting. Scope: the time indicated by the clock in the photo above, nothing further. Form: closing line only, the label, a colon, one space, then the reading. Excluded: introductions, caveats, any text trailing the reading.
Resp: 5:17
